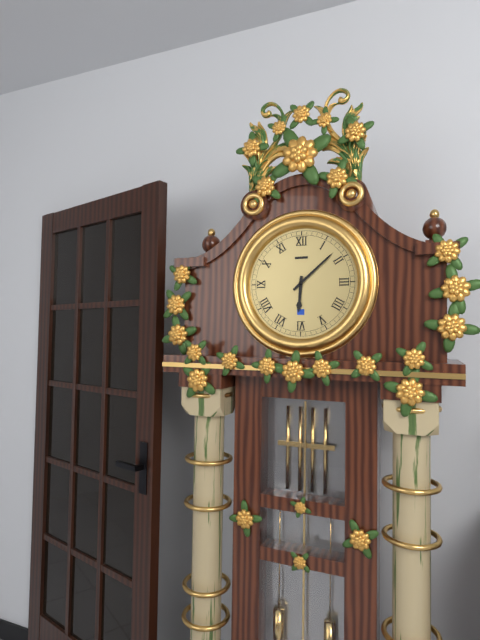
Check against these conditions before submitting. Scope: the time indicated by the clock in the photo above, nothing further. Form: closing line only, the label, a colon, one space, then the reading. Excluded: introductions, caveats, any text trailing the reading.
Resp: 6:08
